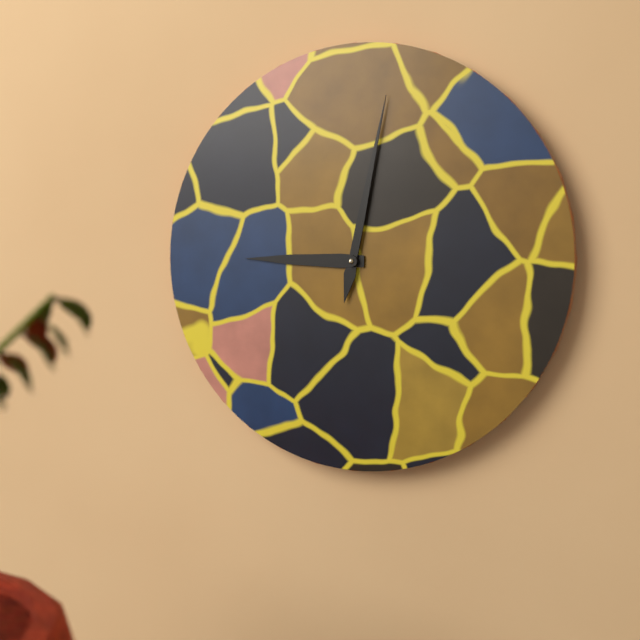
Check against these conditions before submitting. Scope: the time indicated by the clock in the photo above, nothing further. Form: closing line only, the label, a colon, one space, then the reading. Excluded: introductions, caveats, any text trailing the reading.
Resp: 9:02
